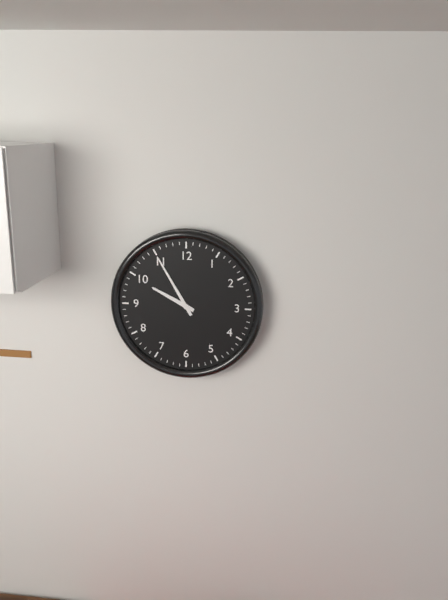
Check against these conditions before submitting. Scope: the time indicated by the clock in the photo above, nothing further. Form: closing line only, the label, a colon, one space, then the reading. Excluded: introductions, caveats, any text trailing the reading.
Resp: 9:55
